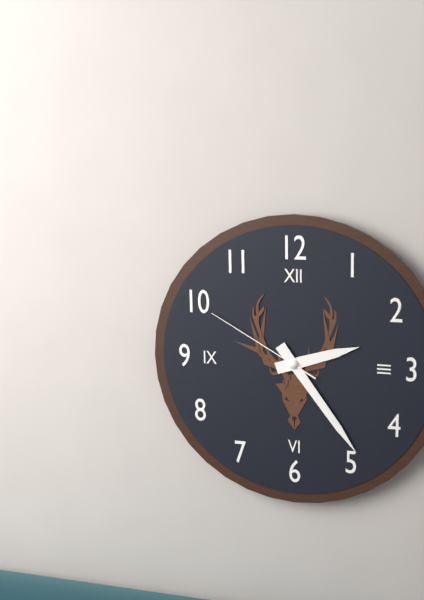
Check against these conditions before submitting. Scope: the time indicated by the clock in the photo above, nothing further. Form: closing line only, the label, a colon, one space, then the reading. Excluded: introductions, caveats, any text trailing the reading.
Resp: 2:24:50
